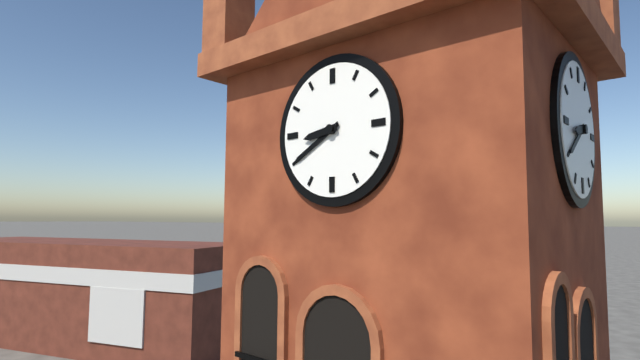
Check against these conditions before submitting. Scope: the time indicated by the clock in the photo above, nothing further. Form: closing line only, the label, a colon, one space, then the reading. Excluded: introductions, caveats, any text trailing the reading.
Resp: 8:40
